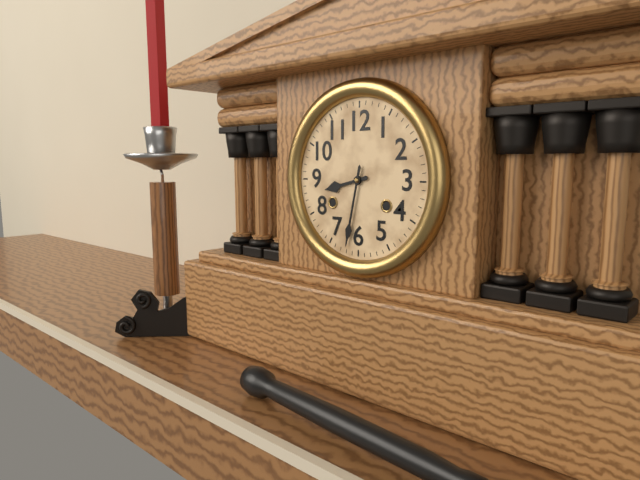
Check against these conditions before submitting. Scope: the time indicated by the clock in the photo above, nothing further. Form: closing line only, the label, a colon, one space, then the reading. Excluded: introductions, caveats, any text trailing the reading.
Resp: 8:32
